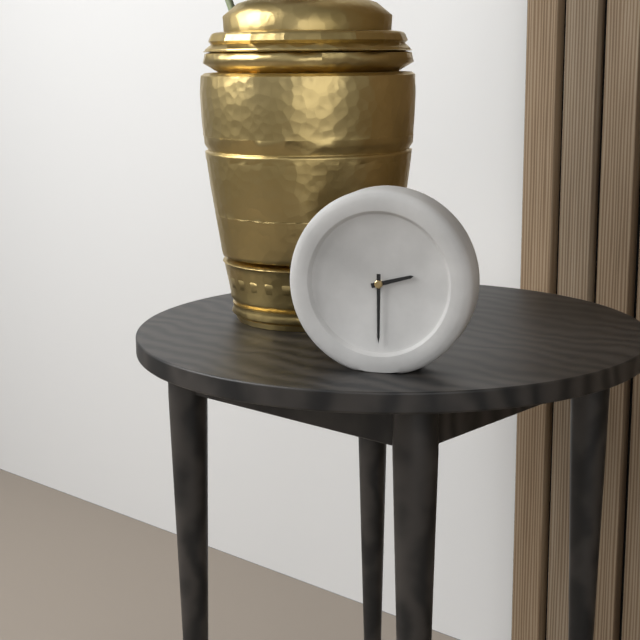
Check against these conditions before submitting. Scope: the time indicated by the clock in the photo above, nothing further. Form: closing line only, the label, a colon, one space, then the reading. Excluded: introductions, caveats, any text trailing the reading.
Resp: 2:30
